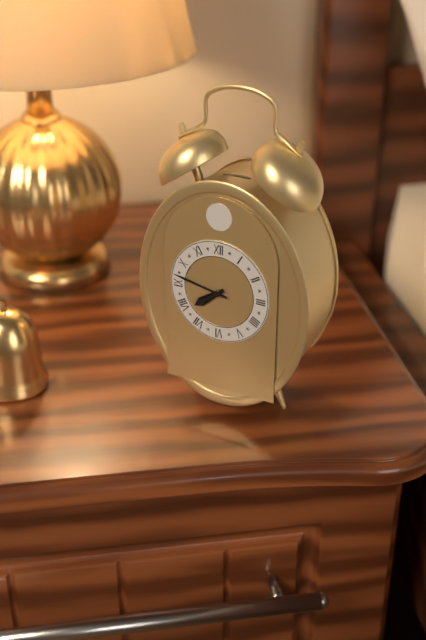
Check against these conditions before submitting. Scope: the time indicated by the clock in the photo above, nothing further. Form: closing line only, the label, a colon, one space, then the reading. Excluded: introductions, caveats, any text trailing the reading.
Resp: 7:47
